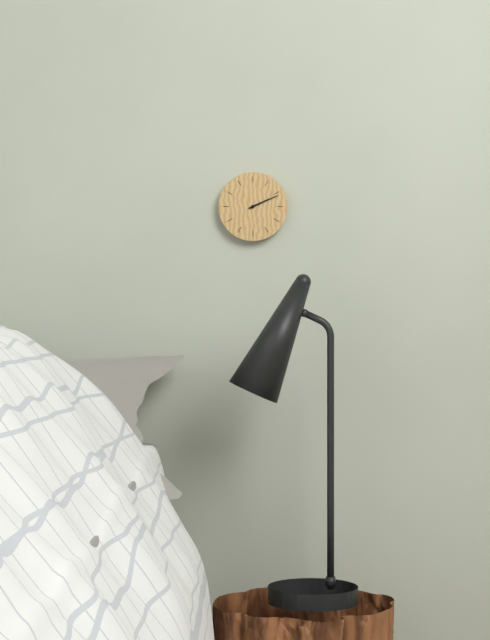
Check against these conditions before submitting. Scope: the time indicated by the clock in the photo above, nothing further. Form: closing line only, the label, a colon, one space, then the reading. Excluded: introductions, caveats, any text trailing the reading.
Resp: 2:11
